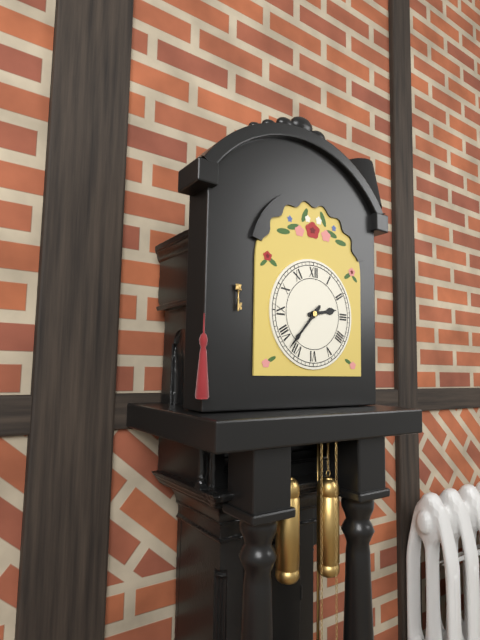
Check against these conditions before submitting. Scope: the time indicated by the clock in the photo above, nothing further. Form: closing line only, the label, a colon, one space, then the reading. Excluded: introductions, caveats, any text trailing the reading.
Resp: 2:37
